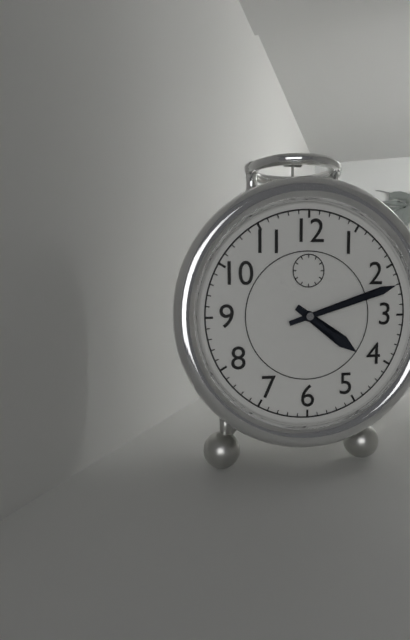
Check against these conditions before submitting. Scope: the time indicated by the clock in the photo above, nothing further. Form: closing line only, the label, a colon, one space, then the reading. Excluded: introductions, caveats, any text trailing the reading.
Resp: 4:12
